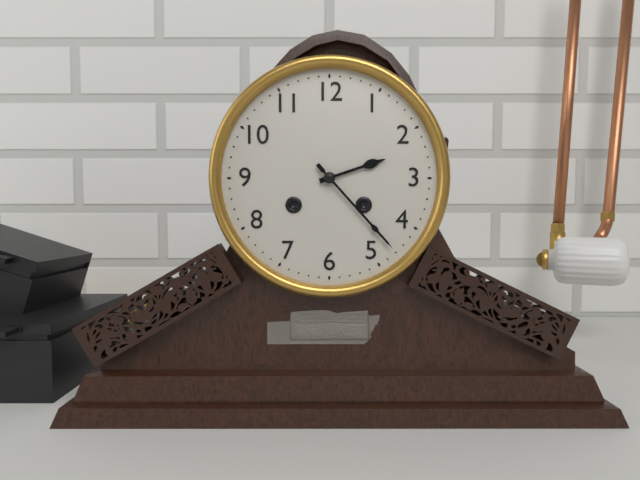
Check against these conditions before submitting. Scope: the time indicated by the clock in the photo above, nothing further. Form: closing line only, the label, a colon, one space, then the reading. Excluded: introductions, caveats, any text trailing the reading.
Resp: 2:23
